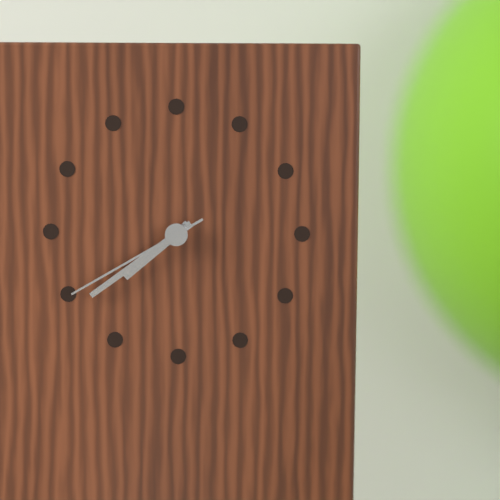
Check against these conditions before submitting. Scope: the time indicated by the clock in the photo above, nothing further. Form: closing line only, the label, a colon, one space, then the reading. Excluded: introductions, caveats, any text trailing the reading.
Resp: 7:39:40
